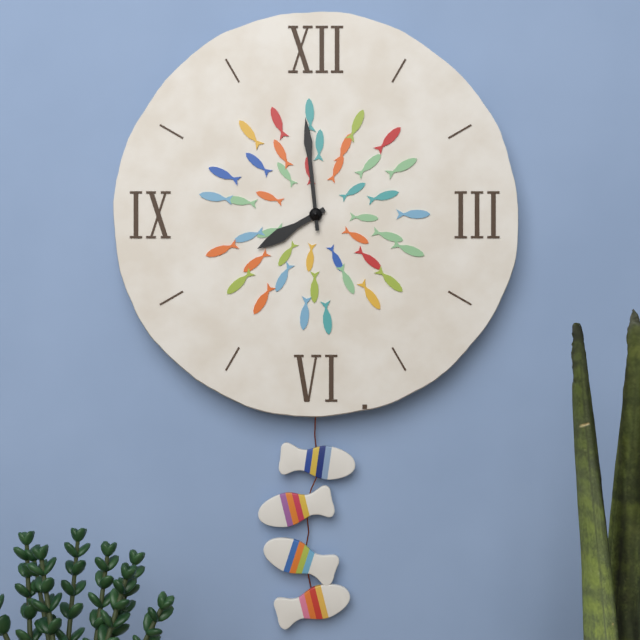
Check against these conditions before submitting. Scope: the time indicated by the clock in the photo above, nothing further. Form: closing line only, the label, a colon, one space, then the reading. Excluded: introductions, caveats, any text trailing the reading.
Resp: 7:59
